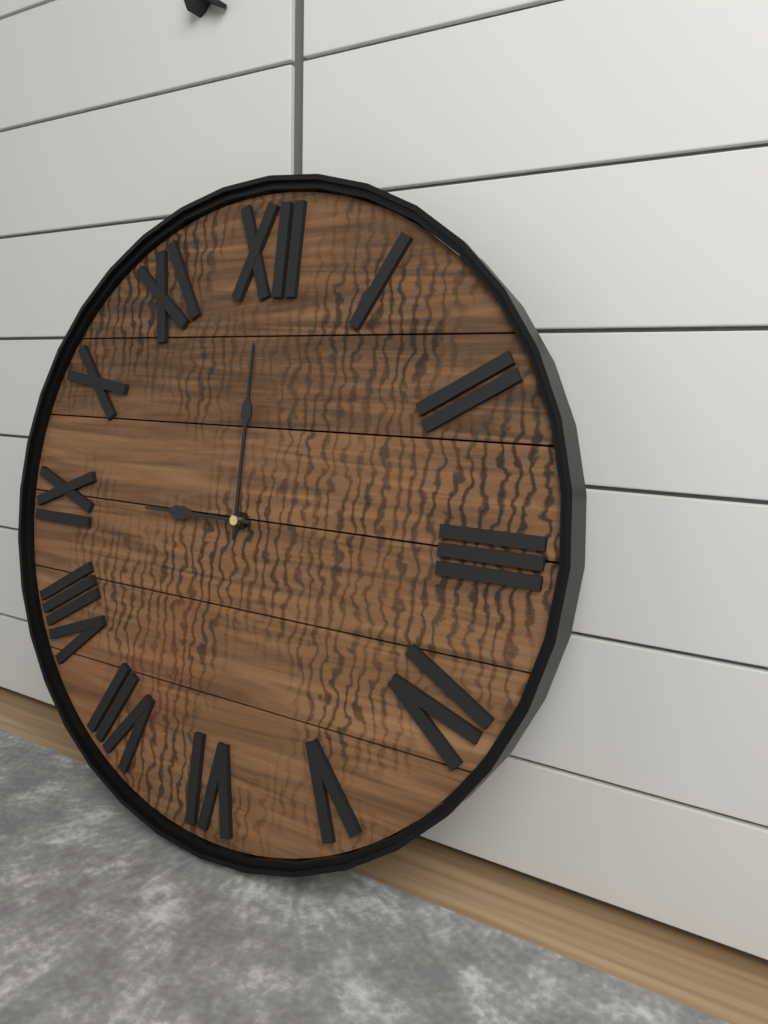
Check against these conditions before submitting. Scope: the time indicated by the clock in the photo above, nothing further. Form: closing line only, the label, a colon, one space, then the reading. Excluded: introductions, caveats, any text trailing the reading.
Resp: 9:00
